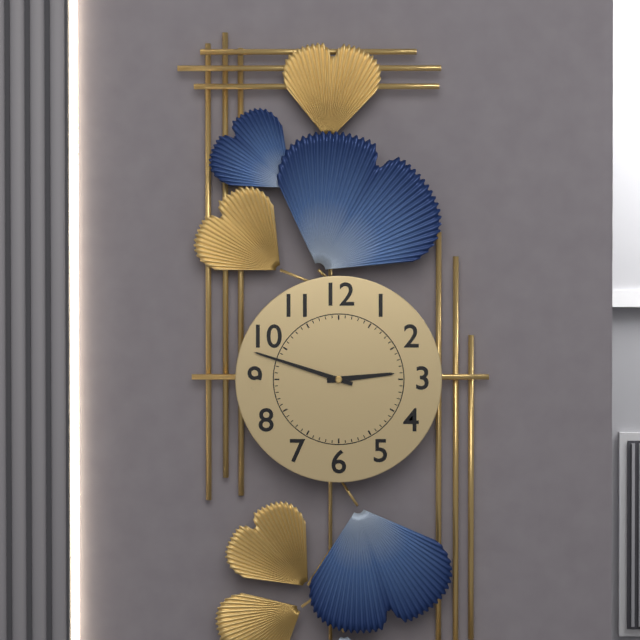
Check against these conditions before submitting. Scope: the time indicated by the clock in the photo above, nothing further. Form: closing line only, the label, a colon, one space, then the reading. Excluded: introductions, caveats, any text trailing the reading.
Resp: 2:48
